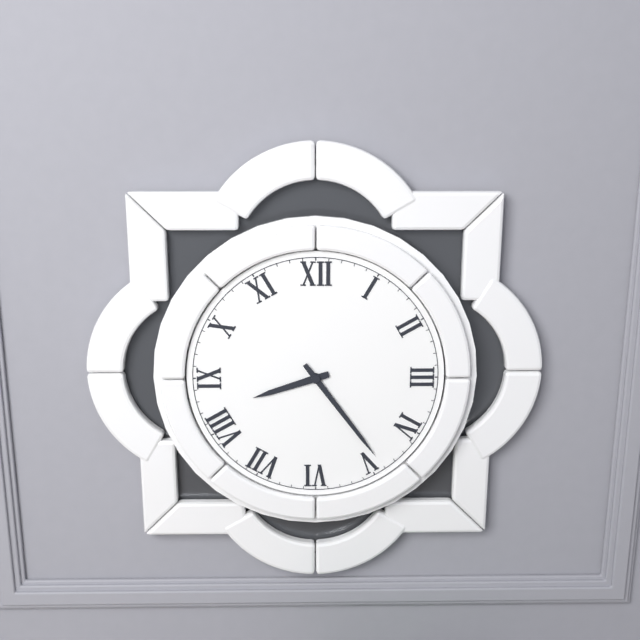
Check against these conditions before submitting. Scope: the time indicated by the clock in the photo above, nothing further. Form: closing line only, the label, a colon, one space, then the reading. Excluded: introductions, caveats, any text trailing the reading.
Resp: 8:24
